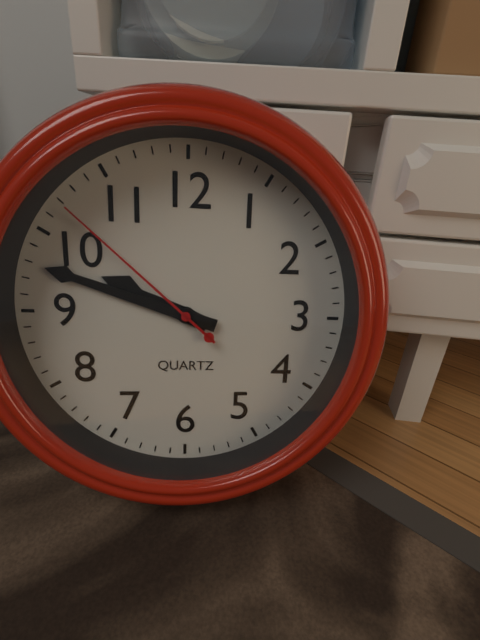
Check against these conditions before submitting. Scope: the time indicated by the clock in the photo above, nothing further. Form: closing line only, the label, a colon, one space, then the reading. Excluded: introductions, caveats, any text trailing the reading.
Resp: 9:48:52
